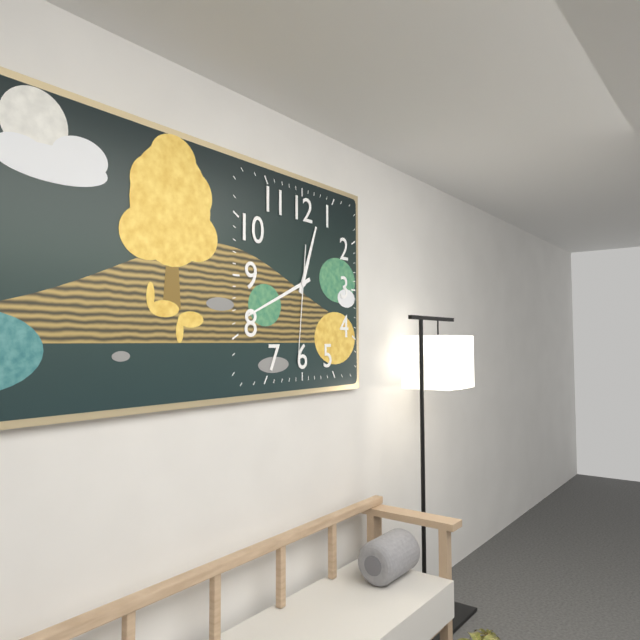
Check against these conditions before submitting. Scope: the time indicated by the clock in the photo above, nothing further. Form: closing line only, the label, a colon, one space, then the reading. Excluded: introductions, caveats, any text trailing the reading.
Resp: 12:41:31
